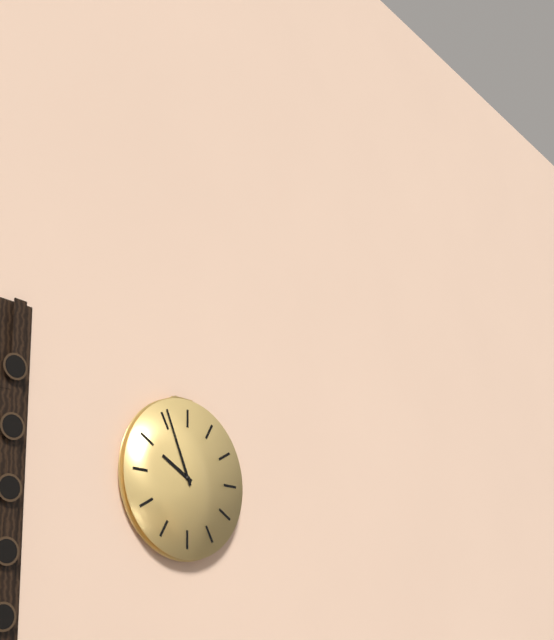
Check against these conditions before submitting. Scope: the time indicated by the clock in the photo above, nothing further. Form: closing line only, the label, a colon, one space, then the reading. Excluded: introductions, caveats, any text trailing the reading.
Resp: 9:56
